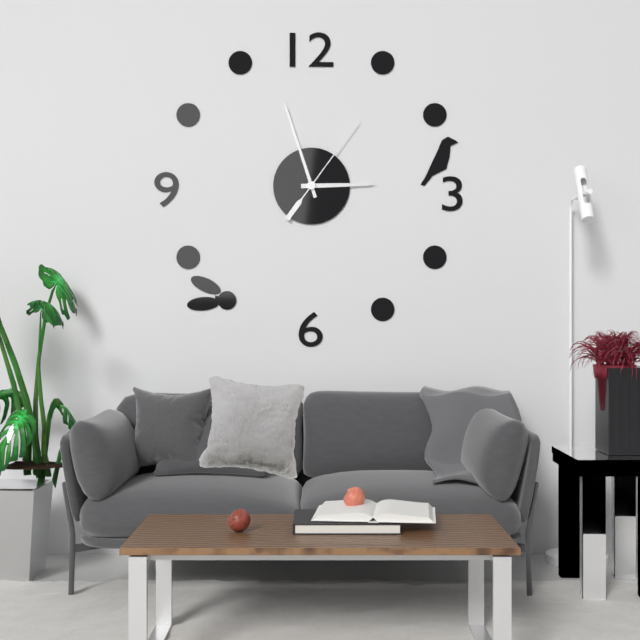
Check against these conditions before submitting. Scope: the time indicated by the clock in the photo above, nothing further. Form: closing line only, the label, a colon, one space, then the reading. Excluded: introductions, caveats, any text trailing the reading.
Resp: 2:57:06
